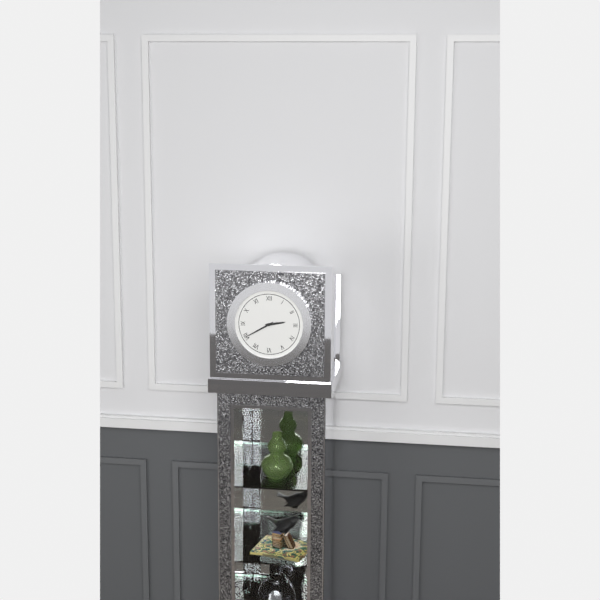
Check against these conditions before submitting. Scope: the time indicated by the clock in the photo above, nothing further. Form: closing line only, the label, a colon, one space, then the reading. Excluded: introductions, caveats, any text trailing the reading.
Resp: 2:40
